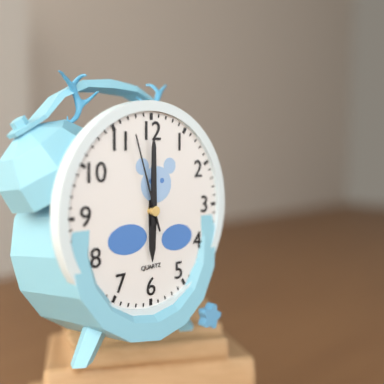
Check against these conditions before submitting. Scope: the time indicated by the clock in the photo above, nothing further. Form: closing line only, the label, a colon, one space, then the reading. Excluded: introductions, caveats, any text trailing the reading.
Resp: 6:00:57
